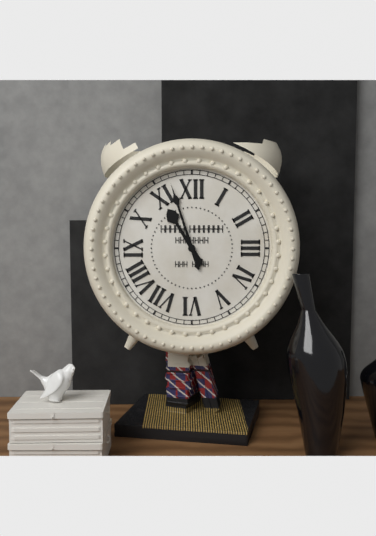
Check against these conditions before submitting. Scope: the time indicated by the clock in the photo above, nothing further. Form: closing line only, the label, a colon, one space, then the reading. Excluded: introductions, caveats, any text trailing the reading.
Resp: 10:57
